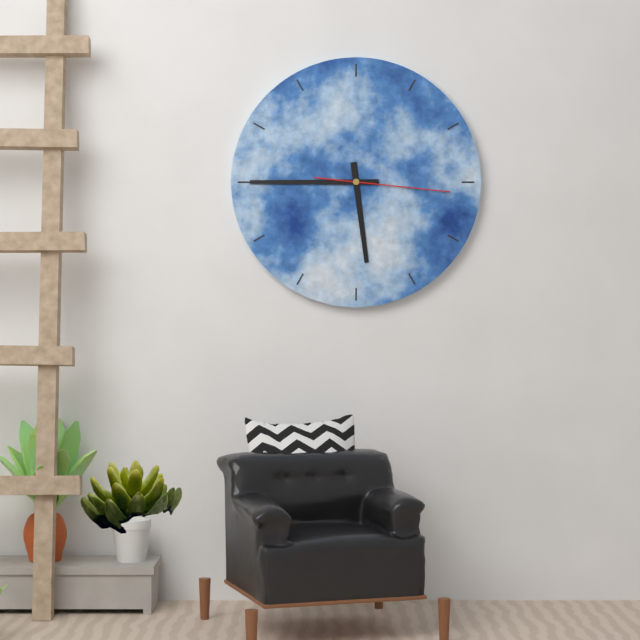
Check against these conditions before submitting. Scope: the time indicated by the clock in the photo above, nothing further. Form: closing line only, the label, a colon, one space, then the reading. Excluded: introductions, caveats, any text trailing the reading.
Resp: 5:45:16
